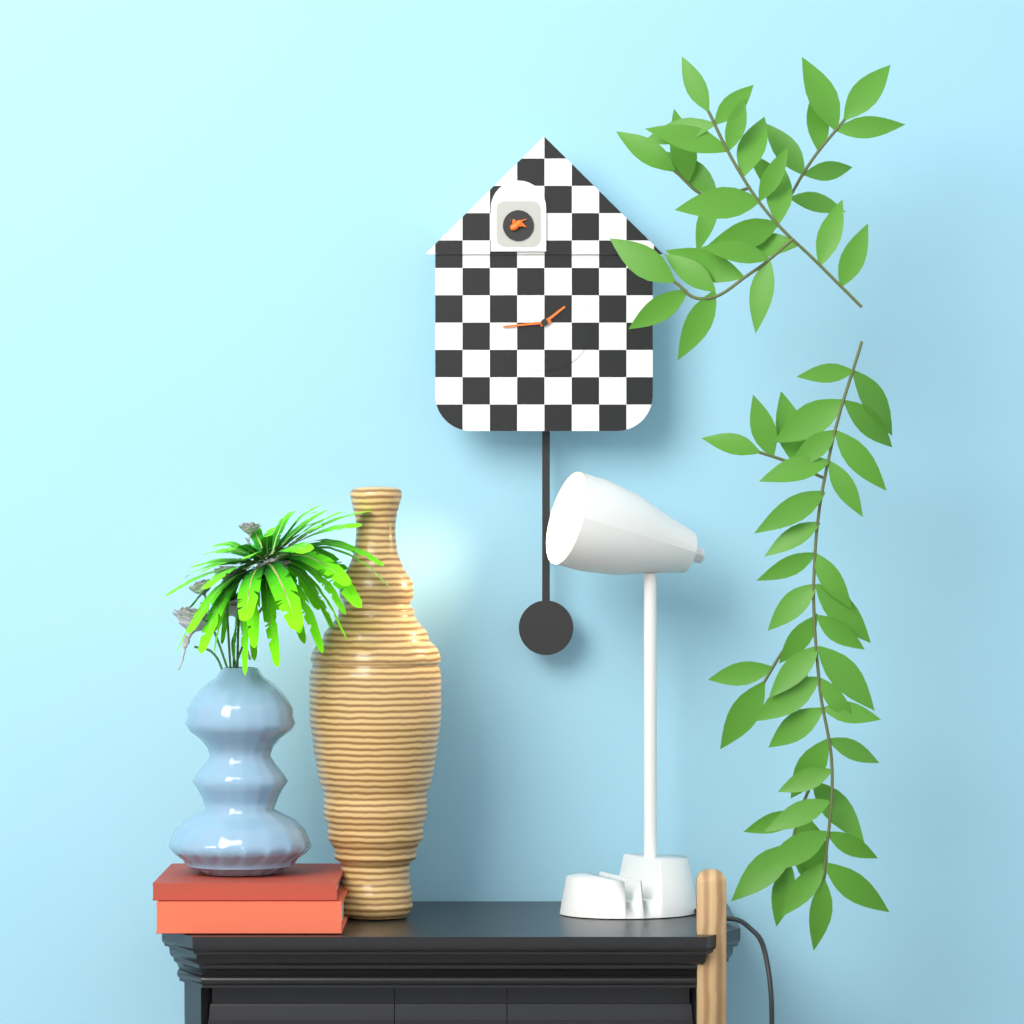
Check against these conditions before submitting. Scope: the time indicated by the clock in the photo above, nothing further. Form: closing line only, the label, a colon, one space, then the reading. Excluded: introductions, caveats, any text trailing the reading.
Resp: 1:44
